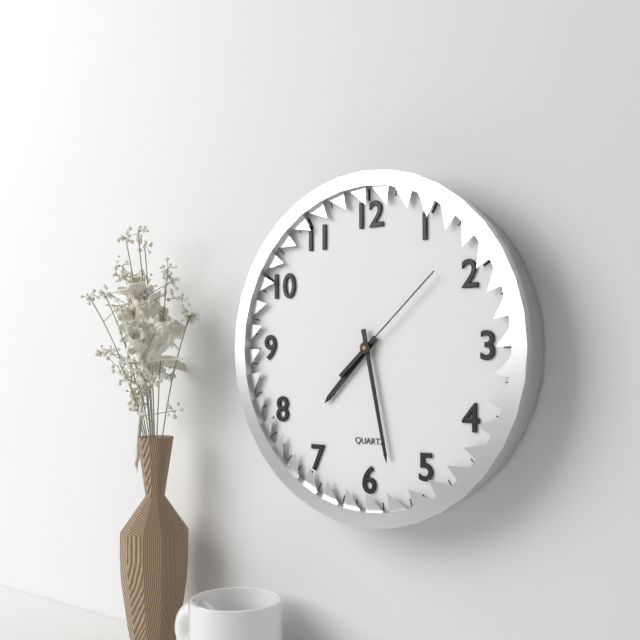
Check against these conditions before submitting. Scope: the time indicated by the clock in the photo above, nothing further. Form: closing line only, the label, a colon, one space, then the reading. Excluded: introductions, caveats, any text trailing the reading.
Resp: 7:28:08
